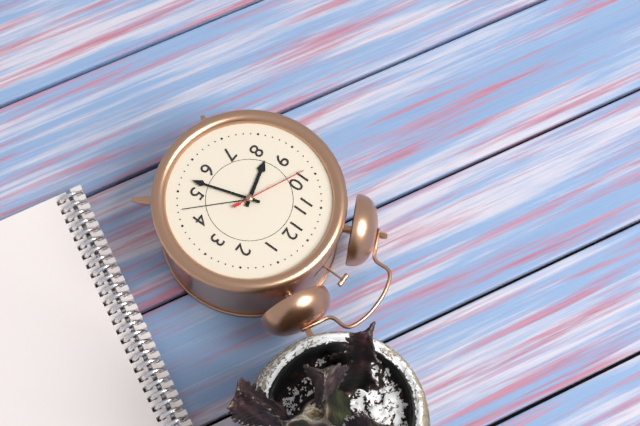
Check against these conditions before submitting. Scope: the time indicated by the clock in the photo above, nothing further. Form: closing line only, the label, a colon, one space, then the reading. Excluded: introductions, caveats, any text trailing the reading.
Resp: 8:27:49
